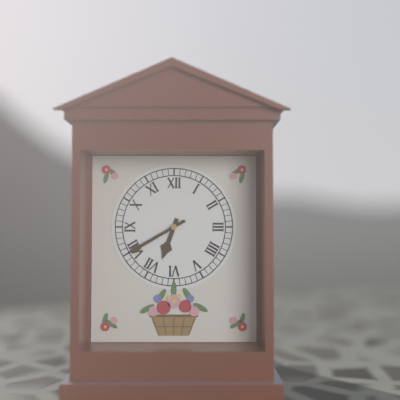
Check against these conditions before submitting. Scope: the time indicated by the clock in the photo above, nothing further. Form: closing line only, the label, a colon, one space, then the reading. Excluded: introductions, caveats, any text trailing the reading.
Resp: 6:40
